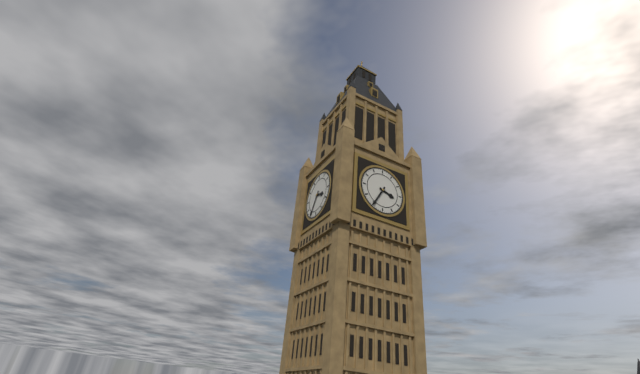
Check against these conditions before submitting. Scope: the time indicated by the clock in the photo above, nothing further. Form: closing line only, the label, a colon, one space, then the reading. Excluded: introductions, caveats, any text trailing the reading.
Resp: 3:35
